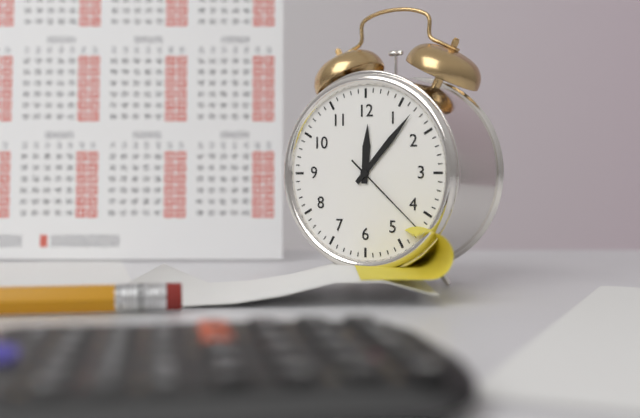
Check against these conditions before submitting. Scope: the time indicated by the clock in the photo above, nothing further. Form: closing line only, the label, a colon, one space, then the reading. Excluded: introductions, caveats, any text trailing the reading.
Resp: 12:07:22
